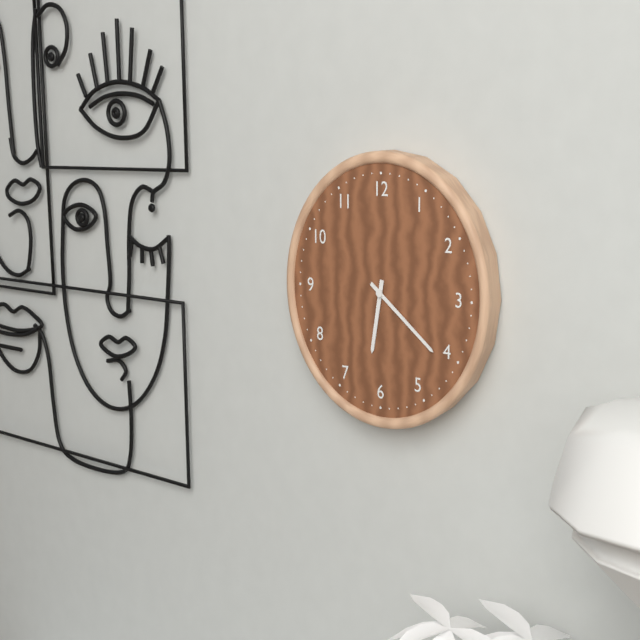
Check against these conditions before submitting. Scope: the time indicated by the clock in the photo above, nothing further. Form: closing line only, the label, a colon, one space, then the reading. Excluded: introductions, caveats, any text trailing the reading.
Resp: 6:21
